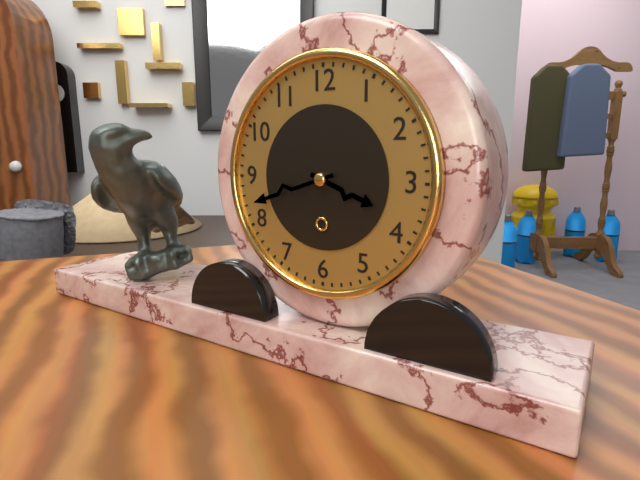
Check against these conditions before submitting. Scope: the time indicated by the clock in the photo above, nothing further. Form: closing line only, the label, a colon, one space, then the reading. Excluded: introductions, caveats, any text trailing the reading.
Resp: 3:42
